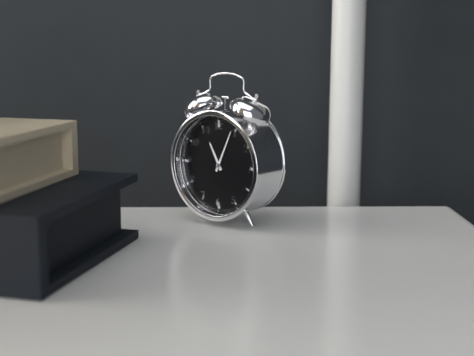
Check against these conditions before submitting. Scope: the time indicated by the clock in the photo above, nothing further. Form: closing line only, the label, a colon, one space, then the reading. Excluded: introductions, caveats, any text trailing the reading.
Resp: 11:04
